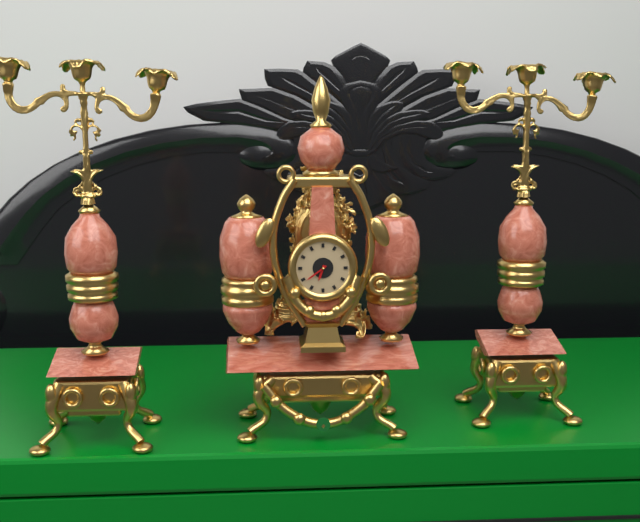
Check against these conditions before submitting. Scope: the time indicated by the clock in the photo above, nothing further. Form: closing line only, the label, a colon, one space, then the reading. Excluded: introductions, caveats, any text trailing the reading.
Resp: 6:39
